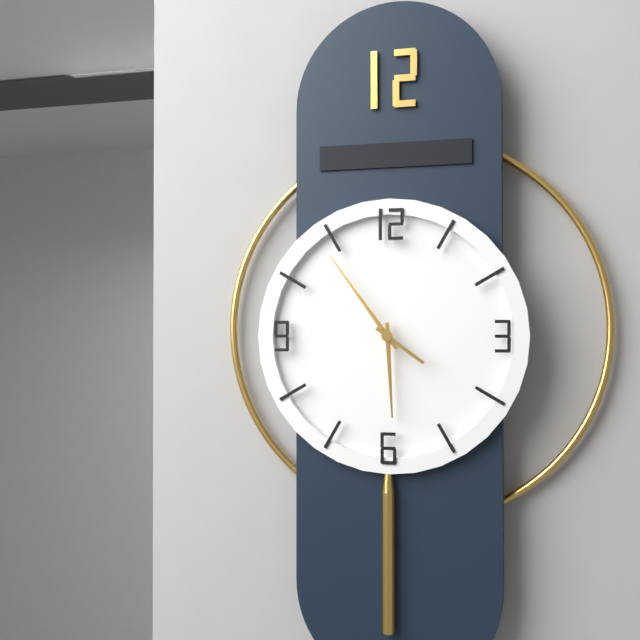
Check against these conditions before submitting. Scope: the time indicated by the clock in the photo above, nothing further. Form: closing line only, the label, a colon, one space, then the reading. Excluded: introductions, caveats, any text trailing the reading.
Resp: 5:54:21
